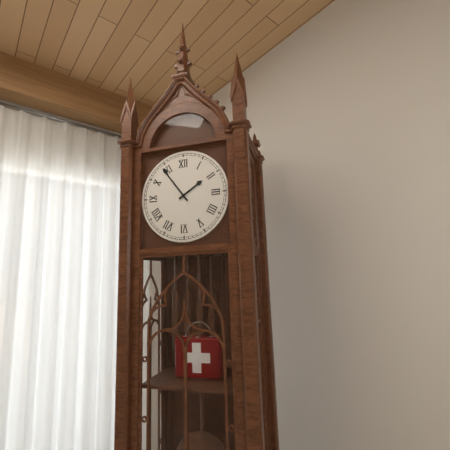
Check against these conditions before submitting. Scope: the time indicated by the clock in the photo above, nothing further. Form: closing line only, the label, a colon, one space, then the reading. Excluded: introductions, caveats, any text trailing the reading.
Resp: 1:54
